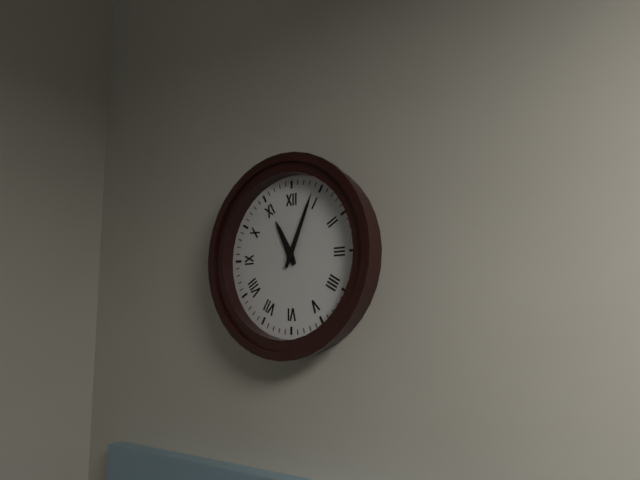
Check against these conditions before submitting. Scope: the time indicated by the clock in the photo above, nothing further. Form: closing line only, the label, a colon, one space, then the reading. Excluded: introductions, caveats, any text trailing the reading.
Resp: 11:04
